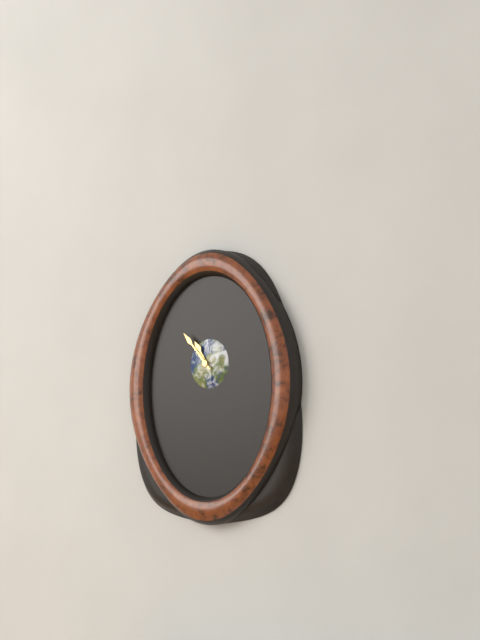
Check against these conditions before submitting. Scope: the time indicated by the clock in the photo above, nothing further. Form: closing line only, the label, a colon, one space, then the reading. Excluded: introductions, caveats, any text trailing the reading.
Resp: 10:53
